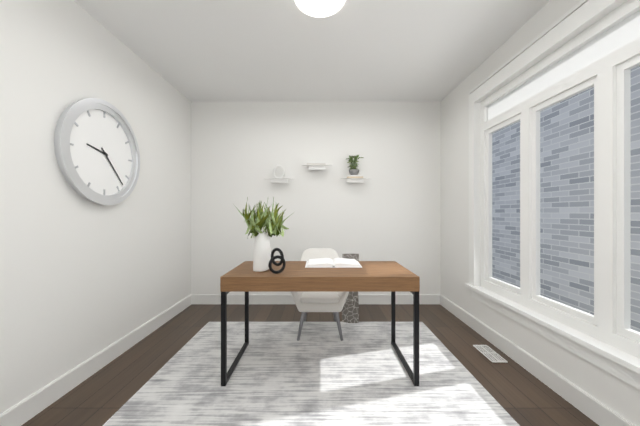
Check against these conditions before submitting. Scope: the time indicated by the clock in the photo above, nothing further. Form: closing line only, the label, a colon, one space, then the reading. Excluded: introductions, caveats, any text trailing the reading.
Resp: 9:23
